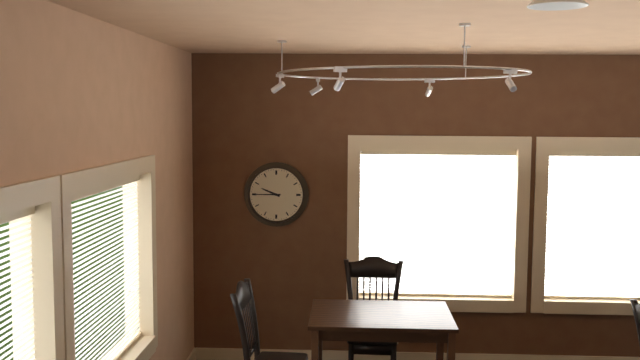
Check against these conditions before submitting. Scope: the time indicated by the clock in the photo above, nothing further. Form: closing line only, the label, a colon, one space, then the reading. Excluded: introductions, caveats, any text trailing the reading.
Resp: 9:45
